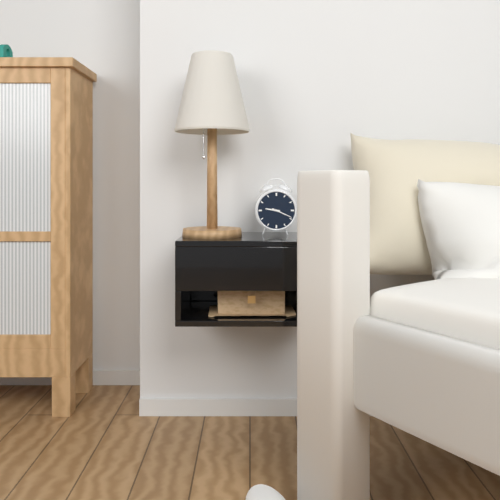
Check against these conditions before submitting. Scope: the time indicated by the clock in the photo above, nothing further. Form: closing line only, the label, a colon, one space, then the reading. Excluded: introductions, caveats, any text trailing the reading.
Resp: 9:19
